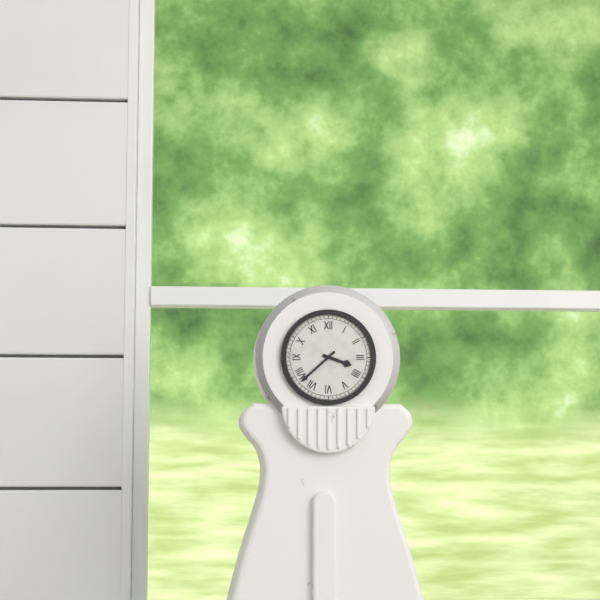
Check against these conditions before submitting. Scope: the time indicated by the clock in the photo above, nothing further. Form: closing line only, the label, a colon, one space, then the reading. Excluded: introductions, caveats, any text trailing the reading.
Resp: 3:38
